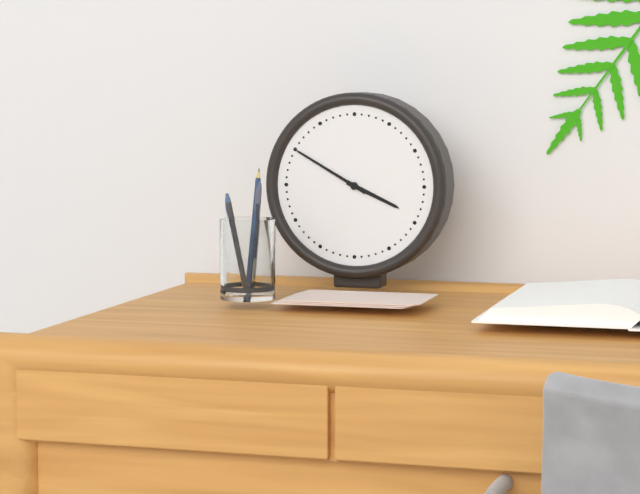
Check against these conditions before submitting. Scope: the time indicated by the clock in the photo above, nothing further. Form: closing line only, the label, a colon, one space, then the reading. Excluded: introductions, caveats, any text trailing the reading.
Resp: 3:50
